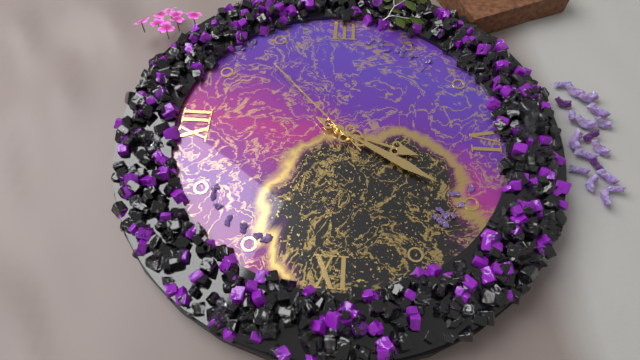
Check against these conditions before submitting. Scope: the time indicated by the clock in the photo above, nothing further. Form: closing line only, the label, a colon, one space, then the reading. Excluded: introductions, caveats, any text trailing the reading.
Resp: 6:35:08
